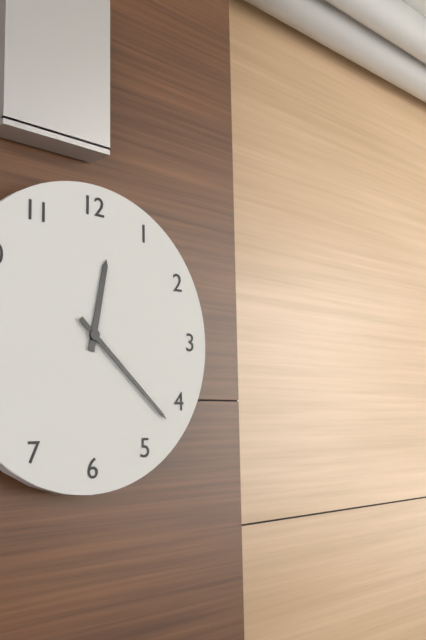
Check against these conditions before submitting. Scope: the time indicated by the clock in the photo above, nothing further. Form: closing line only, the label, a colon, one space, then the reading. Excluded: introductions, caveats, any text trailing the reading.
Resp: 12:22
